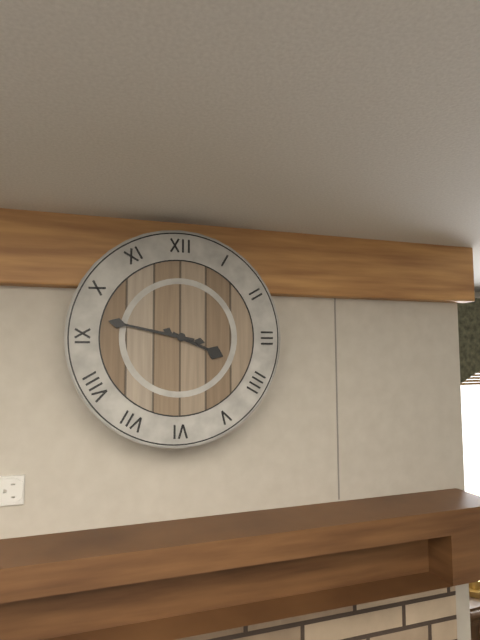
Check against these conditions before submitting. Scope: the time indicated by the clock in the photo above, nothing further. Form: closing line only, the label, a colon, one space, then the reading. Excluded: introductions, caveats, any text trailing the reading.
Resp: 3:47
